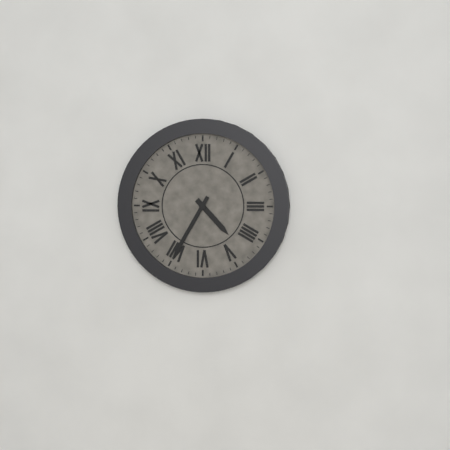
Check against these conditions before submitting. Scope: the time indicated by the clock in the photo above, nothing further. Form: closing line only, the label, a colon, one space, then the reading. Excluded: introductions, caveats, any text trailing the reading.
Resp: 4:35
